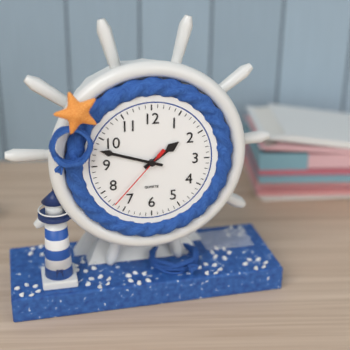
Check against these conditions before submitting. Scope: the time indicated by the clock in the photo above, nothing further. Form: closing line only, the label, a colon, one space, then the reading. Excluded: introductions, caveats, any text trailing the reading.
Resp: 1:48:37
